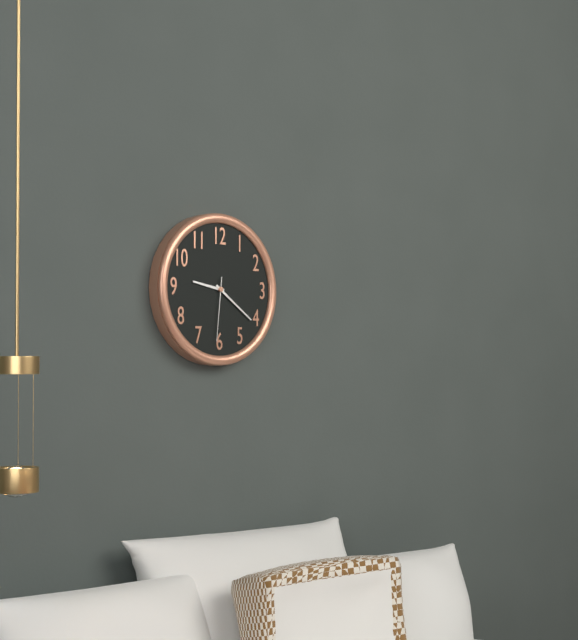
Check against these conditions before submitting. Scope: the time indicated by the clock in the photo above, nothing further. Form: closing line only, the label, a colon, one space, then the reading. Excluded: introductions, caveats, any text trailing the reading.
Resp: 9:21:31
